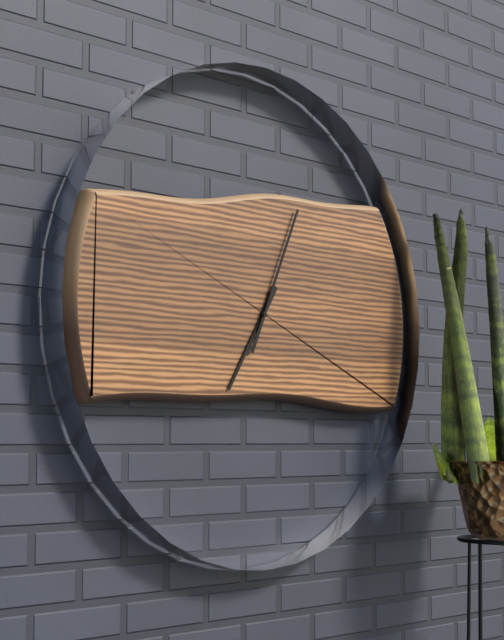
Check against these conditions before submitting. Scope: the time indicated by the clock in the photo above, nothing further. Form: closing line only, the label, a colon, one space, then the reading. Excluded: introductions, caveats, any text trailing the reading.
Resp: 7:04
